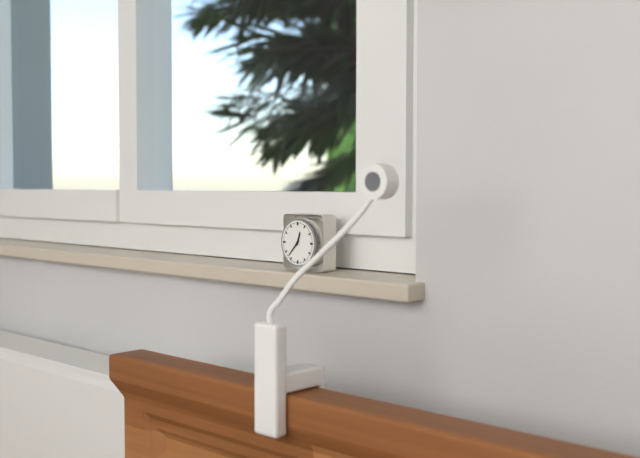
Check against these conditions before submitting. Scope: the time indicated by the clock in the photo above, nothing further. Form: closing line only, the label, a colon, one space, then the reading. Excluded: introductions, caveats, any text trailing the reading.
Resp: 12:37
